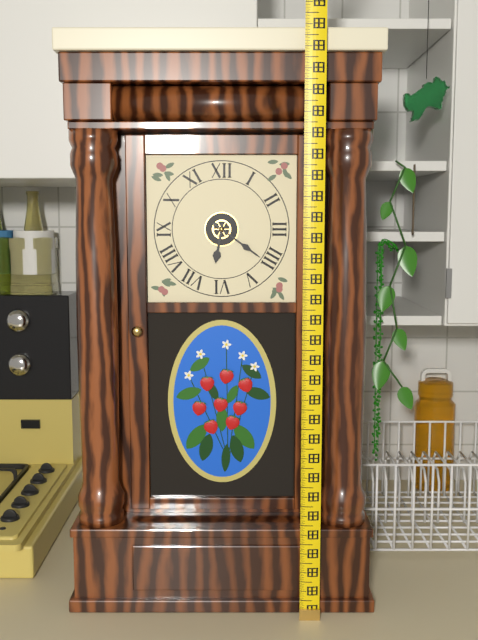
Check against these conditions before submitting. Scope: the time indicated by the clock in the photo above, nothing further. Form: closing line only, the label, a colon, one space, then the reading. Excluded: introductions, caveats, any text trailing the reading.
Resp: 6:21
